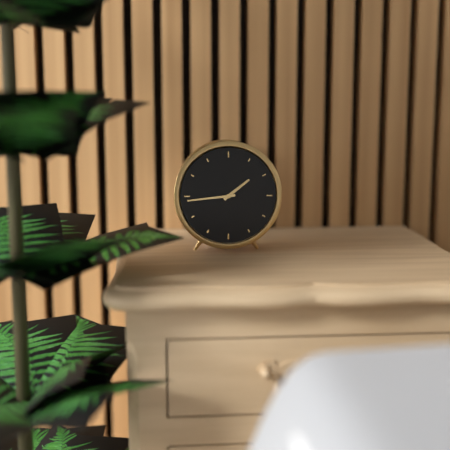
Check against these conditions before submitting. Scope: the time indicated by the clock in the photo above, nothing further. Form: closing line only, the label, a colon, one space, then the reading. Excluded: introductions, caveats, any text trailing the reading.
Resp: 1:44
